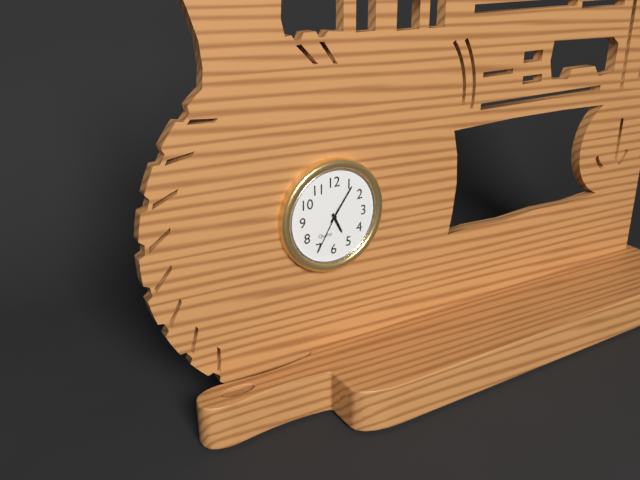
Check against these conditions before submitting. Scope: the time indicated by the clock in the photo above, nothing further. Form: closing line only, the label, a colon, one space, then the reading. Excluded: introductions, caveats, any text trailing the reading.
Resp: 5:06
